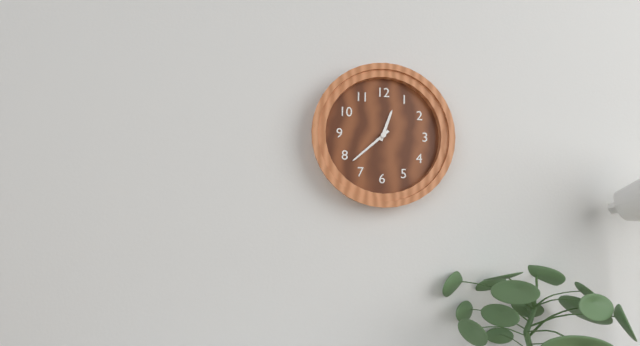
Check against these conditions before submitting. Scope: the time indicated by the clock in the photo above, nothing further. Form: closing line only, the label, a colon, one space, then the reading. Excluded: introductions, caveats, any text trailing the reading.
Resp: 12:38
